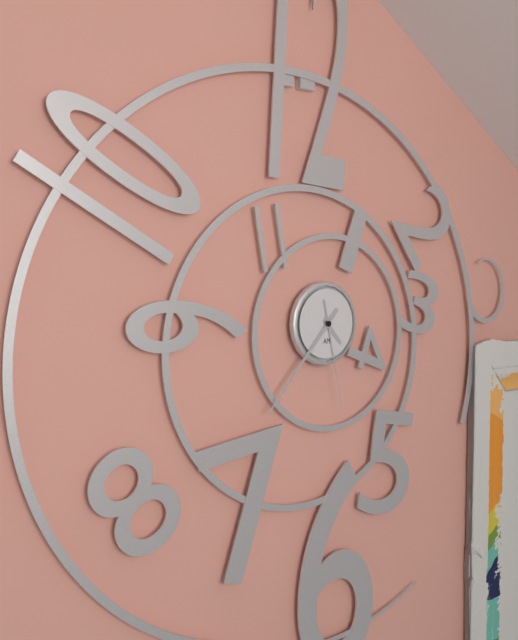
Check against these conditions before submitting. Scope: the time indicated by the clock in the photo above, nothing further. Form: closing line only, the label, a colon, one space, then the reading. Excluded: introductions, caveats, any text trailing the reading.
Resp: 4:37:28
